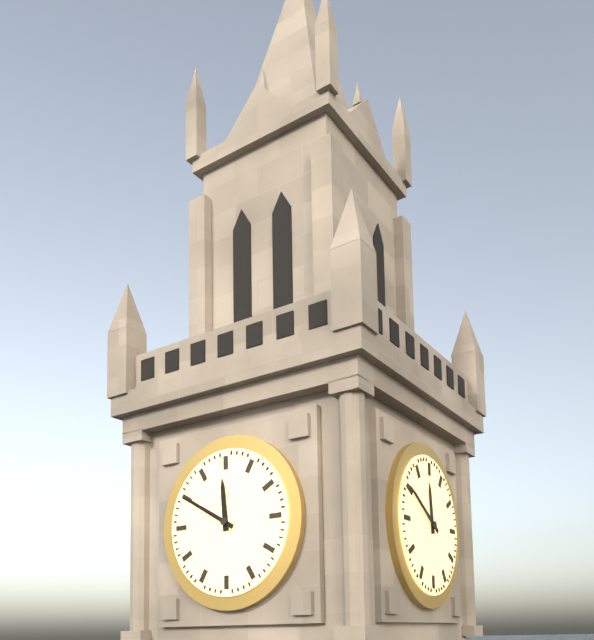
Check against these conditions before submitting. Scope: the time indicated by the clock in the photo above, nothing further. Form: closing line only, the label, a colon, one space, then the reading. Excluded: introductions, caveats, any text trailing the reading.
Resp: 11:50
